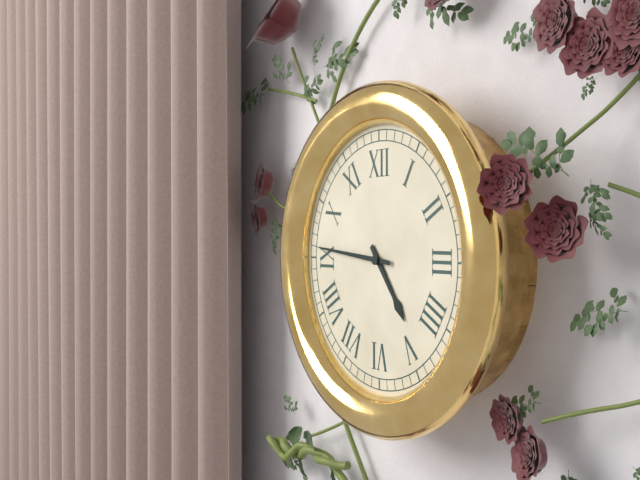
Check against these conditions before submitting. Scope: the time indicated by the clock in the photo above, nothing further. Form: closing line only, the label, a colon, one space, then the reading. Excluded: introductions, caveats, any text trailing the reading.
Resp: 4:46
